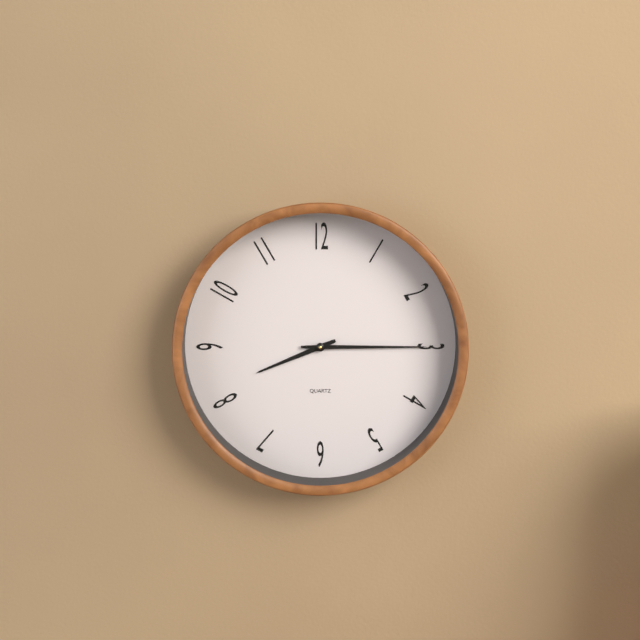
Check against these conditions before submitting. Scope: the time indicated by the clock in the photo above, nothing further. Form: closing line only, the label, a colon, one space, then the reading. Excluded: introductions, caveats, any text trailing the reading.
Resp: 8:15
